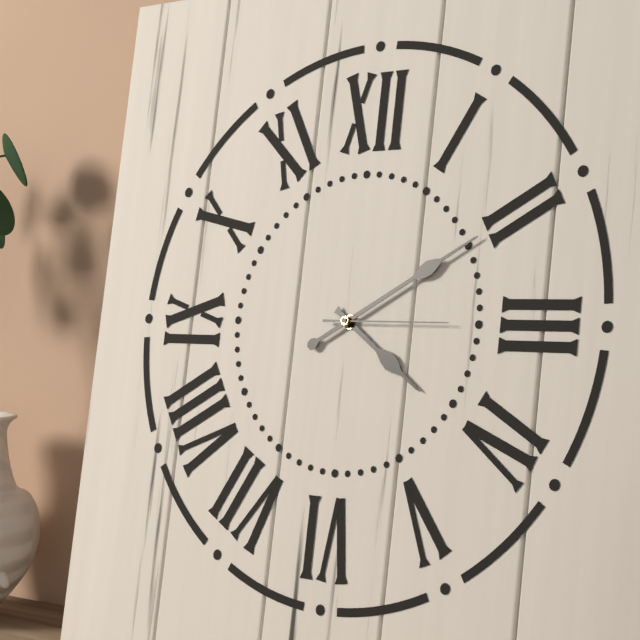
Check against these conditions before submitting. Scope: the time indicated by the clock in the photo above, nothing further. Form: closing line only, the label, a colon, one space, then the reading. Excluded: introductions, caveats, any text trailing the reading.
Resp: 4:10:15
